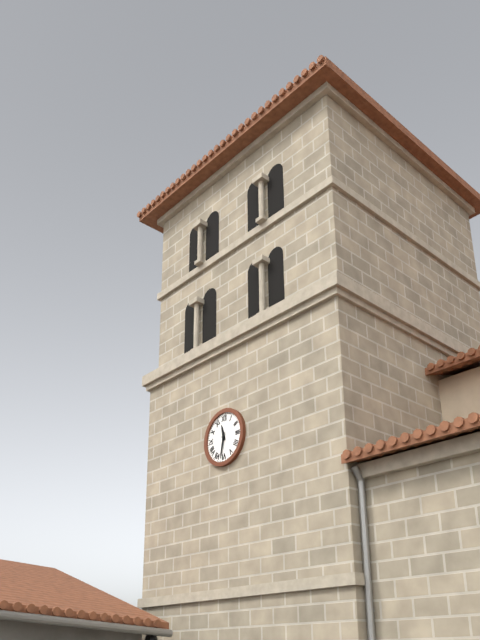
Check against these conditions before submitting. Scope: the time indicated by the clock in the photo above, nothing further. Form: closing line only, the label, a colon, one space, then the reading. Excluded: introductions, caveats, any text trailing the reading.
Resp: 11:32
